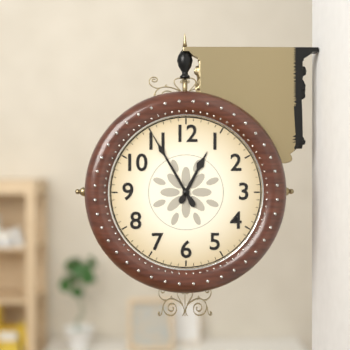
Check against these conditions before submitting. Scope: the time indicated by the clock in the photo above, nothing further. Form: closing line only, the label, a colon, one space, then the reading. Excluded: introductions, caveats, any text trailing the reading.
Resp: 12:55
